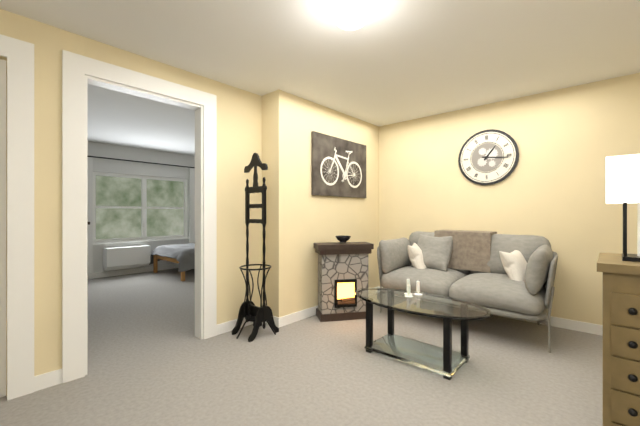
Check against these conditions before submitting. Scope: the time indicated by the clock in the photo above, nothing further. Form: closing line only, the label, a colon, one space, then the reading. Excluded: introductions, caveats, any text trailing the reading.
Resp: 1:16
